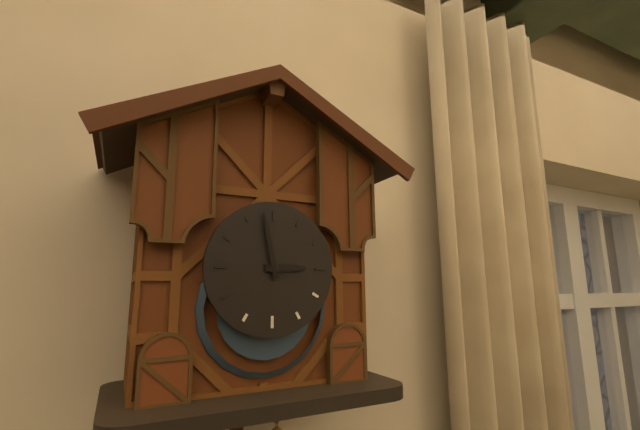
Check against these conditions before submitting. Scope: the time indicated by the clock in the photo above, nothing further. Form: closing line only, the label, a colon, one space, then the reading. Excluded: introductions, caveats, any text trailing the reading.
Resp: 2:58
